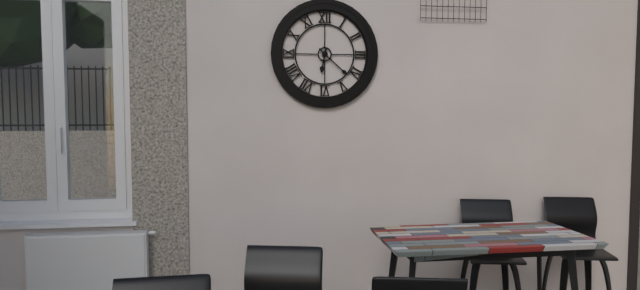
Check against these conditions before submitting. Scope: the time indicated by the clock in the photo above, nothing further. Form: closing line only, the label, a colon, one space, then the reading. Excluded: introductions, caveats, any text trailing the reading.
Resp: 6:22
